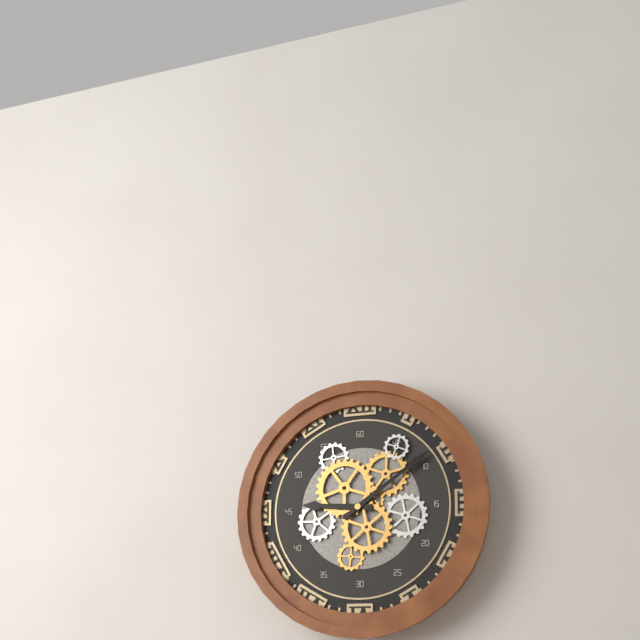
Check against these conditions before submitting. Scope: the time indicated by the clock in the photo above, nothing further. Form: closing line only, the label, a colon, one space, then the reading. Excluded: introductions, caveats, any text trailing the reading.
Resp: 9:09
